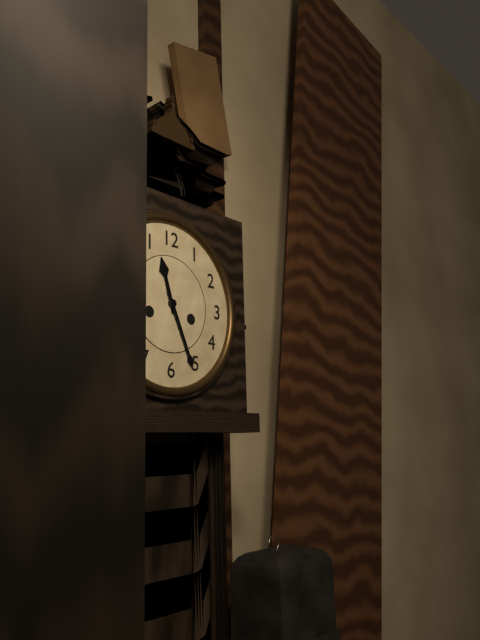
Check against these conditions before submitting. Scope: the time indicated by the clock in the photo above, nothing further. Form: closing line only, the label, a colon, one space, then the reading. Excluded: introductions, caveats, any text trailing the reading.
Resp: 11:26
